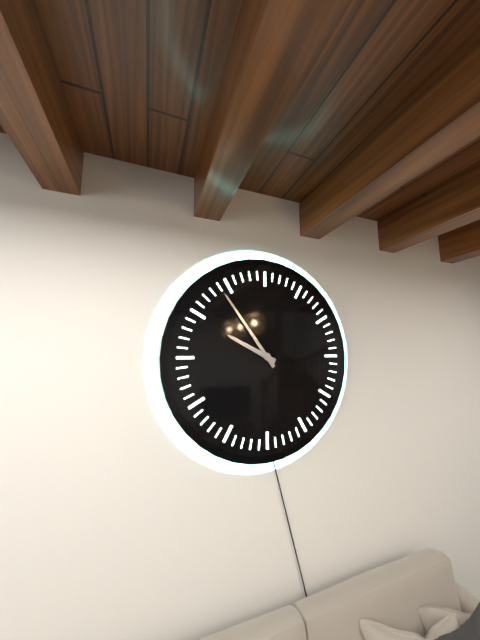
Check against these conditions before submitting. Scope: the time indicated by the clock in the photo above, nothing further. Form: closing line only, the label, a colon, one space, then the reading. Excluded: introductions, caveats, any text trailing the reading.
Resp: 9:54
